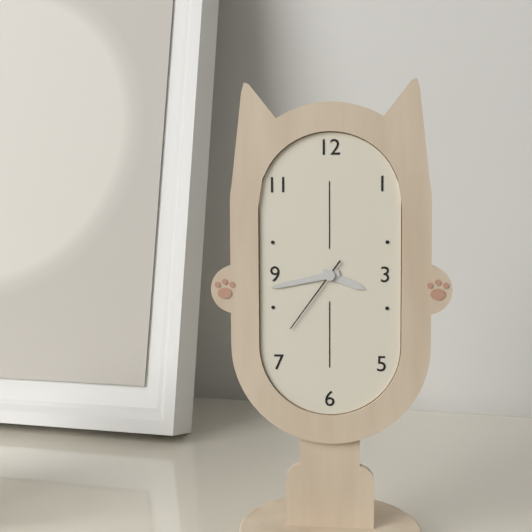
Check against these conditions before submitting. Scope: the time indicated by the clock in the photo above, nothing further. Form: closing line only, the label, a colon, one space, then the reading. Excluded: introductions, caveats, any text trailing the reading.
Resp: 3:43:36
